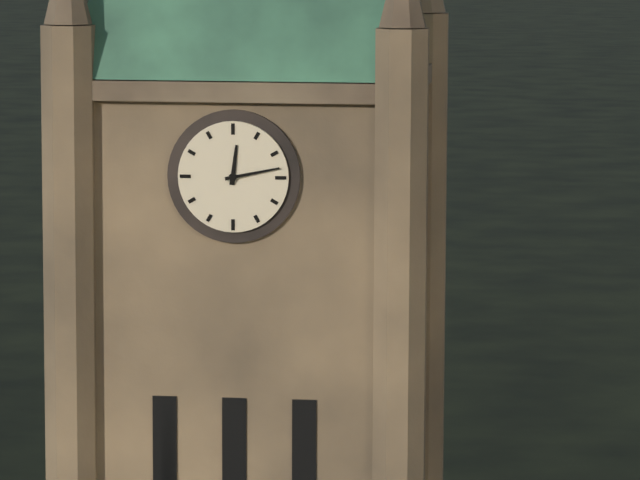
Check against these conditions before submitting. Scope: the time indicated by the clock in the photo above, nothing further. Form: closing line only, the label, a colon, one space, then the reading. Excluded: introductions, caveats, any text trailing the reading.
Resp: 12:13
